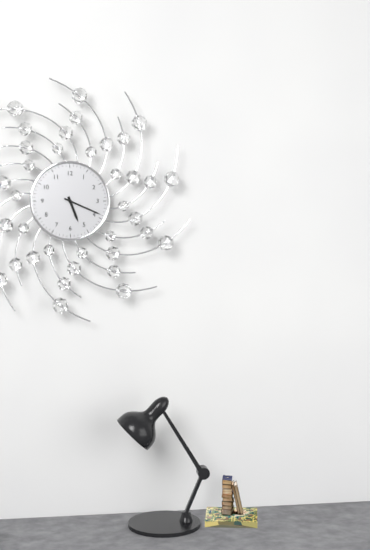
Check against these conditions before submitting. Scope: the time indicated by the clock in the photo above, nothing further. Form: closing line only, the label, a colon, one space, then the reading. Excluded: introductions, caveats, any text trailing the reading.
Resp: 5:19
